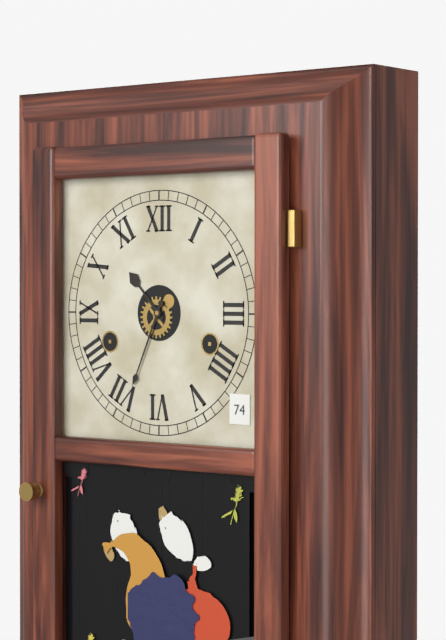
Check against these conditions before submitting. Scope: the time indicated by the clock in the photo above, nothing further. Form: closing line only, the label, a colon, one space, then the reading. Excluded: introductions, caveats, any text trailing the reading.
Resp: 10:34
